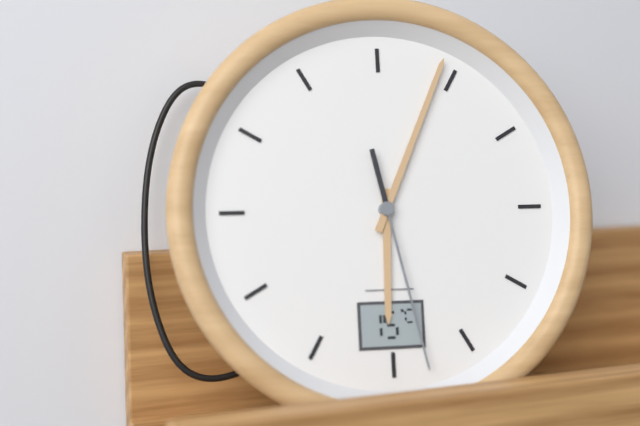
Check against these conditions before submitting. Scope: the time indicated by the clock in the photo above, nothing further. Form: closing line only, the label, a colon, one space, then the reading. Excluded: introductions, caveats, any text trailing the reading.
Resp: 6:04:28
